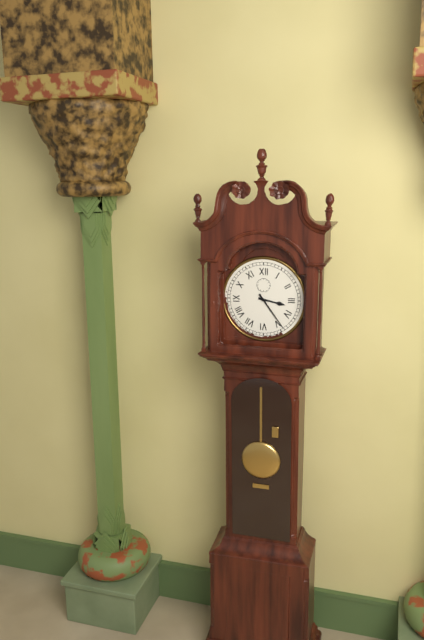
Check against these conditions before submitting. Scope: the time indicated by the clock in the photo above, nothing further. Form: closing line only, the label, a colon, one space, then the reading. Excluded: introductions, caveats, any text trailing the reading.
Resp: 3:24
